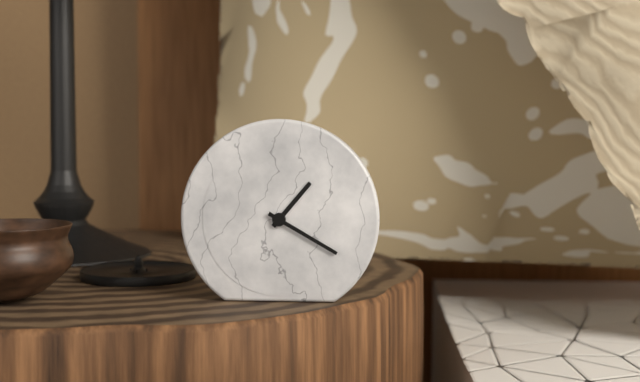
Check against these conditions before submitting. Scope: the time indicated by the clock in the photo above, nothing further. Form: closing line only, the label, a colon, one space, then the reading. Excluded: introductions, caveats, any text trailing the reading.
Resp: 1:20
